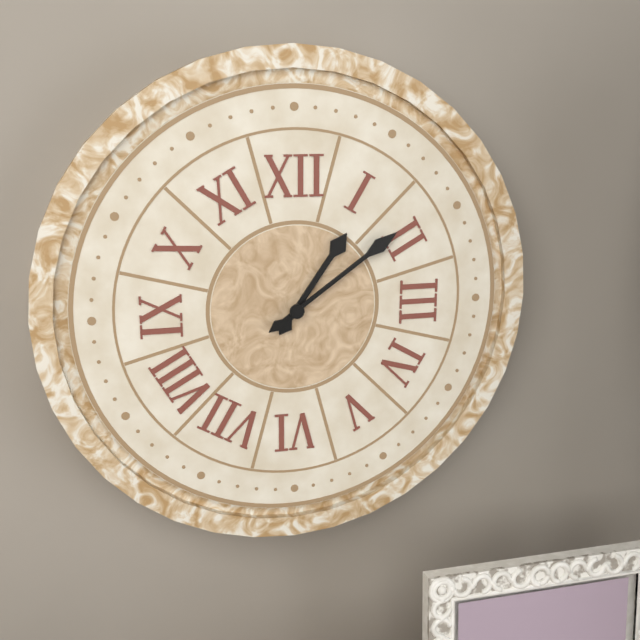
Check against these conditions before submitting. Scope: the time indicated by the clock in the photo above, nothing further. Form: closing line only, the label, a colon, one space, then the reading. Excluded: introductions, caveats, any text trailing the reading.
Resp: 1:09
